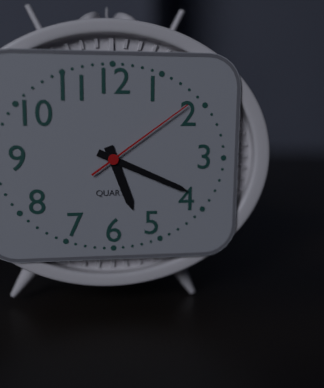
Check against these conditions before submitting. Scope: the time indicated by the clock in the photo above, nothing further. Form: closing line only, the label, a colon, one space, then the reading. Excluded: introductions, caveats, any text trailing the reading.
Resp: 5:19:09
